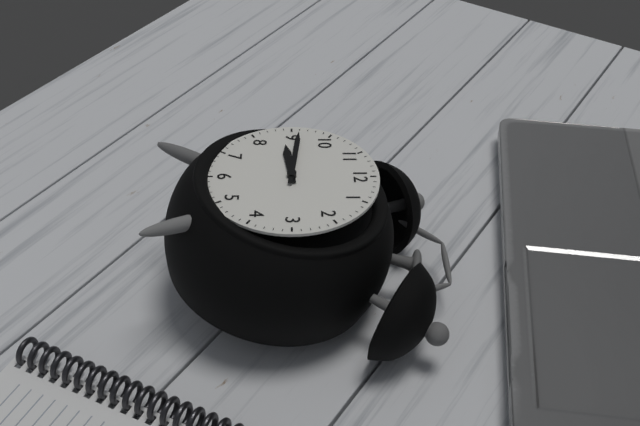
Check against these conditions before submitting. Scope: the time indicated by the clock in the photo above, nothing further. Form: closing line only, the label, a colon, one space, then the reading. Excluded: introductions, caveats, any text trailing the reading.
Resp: 8:46
